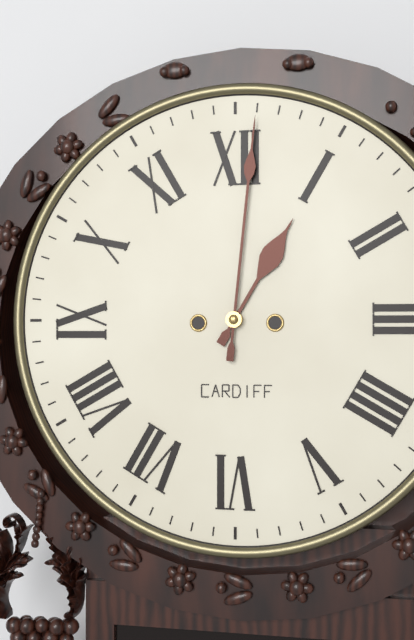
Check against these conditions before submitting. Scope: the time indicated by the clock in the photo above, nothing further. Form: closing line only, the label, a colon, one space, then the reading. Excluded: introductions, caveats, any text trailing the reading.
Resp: 1:01
